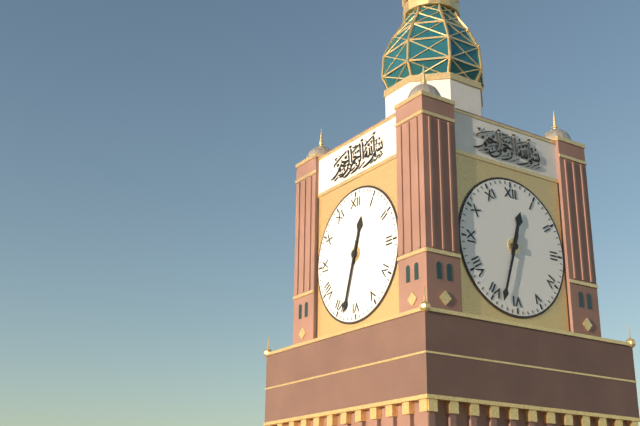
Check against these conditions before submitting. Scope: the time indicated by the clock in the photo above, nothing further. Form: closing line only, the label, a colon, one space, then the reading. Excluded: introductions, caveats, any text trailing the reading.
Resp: 12:33
